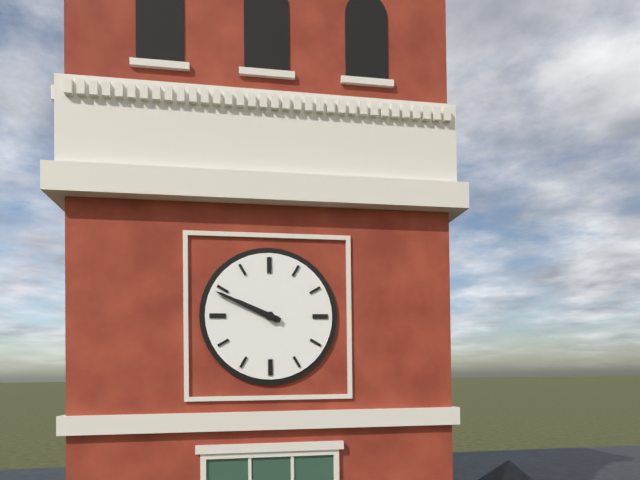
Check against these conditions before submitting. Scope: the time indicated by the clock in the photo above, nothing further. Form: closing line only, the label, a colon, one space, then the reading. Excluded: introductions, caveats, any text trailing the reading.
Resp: 9:49
